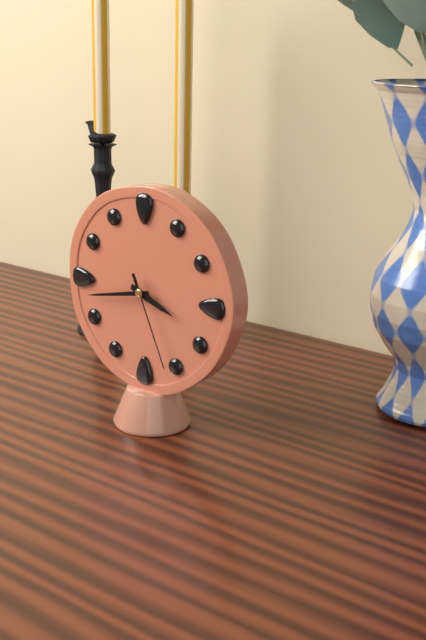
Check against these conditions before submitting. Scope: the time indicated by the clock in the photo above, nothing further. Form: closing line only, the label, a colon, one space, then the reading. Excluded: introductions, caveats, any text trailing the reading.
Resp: 3:43:26
